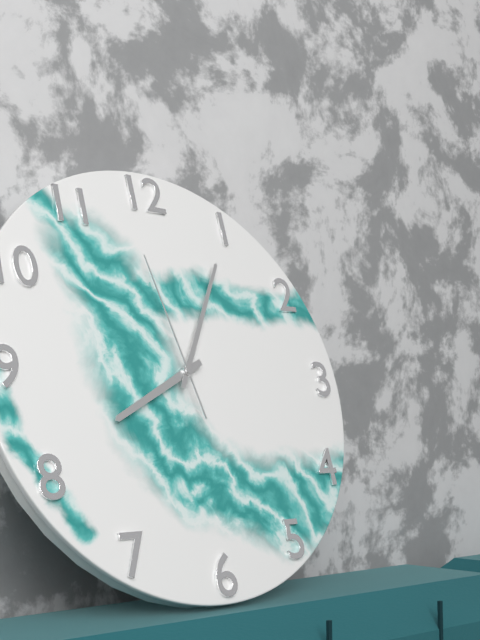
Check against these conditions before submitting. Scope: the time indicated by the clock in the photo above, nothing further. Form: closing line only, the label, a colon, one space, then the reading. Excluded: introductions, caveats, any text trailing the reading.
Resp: 8:05:58
